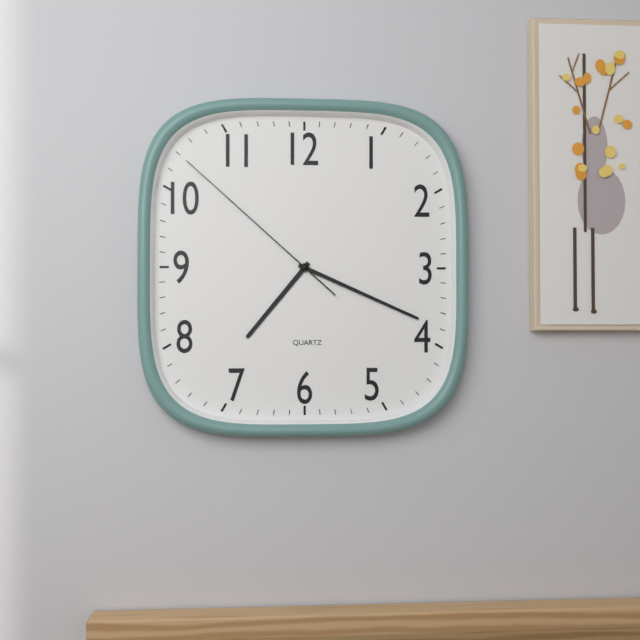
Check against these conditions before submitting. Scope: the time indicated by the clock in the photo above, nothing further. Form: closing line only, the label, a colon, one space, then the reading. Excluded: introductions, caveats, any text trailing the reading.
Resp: 7:19:52
